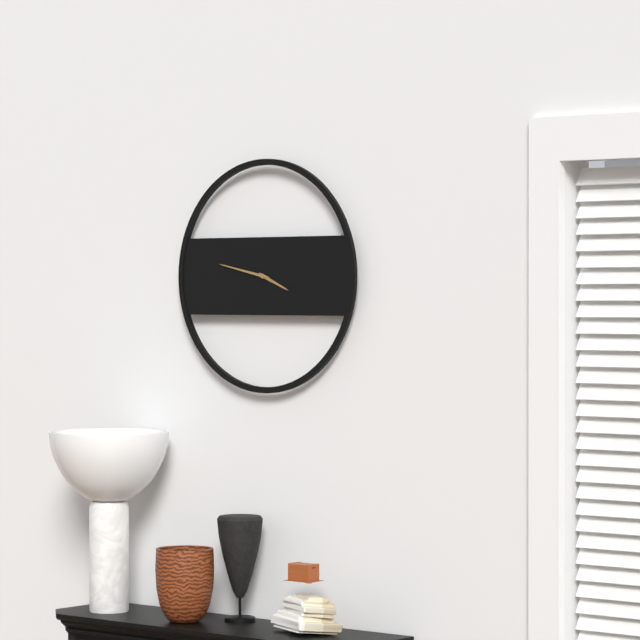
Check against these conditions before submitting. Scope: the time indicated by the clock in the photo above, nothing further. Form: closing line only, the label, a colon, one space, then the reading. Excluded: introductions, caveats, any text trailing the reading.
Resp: 3:47
